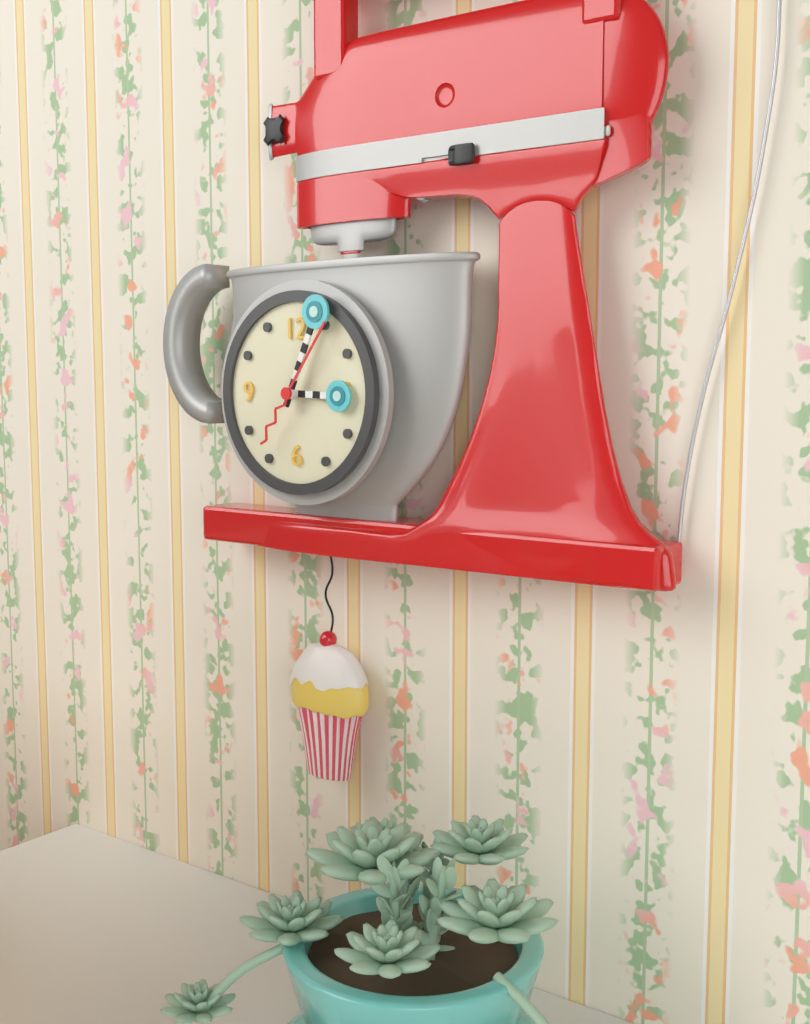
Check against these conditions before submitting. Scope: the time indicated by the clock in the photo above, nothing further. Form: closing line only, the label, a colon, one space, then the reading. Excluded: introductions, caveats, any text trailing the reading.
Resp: 3:04:06
